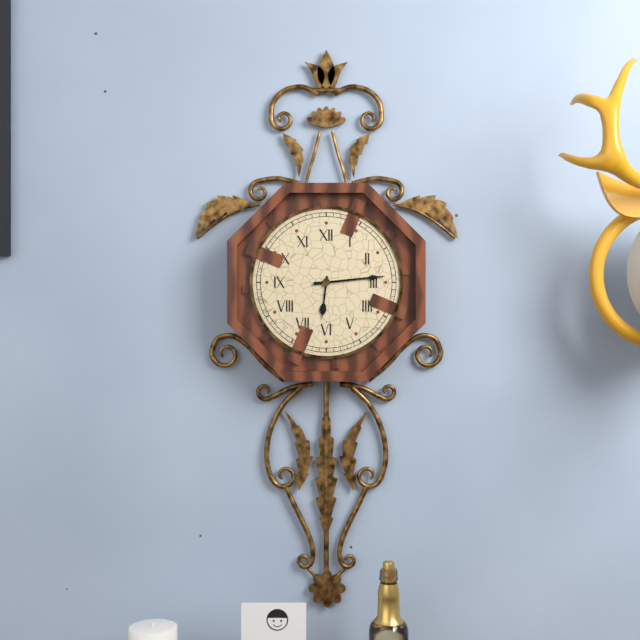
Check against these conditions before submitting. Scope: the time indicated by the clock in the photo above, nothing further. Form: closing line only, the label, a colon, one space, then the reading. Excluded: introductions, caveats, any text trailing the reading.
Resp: 6:14
